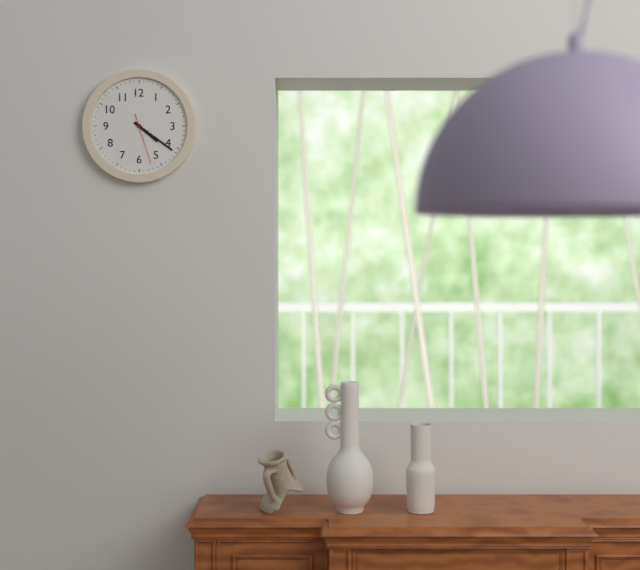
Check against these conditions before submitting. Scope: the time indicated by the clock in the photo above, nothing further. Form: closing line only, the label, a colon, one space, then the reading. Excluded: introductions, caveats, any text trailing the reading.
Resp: 4:21
